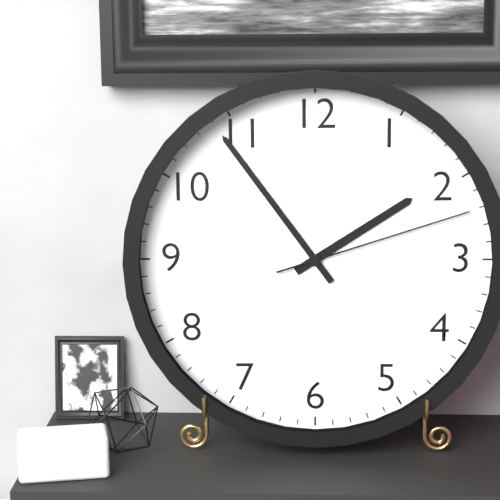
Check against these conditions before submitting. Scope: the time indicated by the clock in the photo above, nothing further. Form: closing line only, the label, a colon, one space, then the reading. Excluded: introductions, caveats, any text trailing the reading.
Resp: 1:54:12
